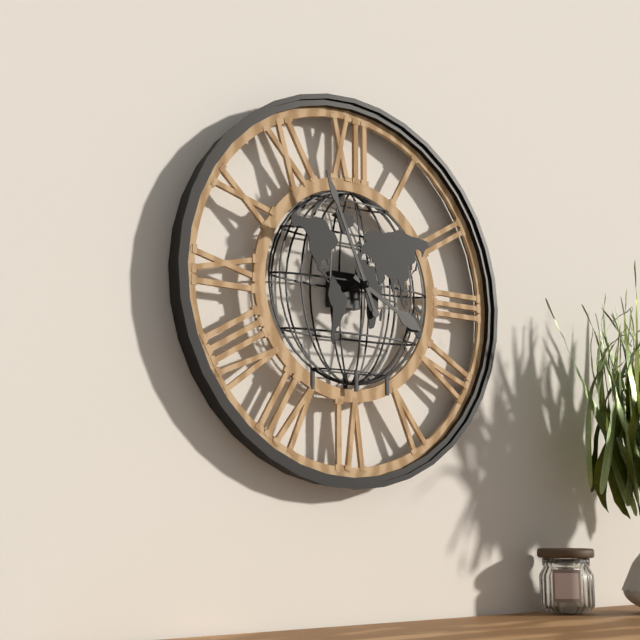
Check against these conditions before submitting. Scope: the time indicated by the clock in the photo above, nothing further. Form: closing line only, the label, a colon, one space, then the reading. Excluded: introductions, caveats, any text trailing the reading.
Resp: 3:56
